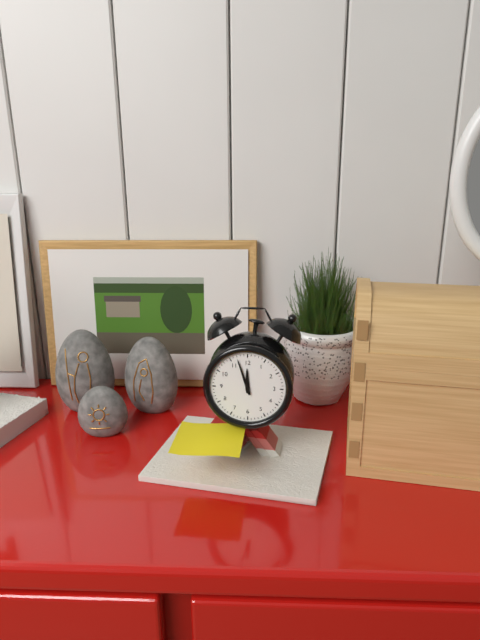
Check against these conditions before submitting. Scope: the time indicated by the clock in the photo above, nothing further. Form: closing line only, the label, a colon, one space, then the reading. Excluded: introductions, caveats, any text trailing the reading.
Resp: 11:57
